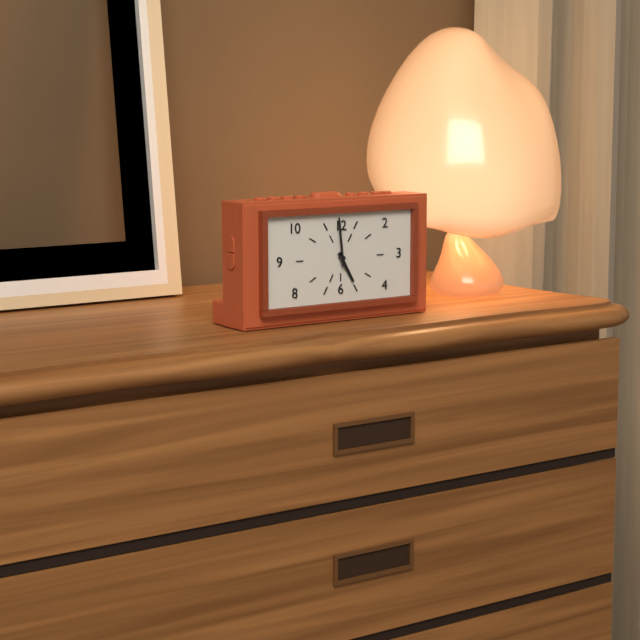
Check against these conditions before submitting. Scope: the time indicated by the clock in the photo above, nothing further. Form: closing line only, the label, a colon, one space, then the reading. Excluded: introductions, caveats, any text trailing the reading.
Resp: 4:59
